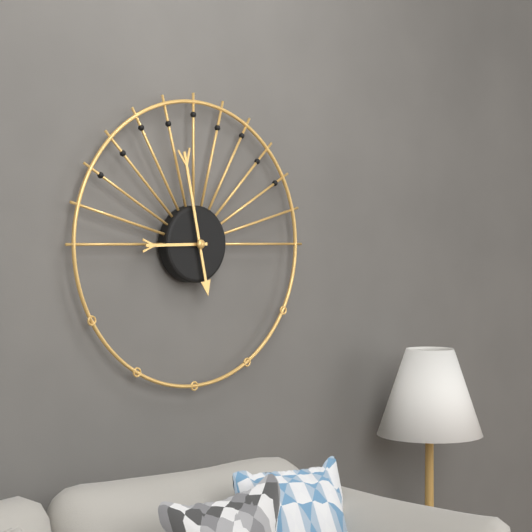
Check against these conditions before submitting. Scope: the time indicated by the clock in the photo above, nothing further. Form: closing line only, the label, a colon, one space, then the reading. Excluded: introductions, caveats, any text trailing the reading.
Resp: 8:58
